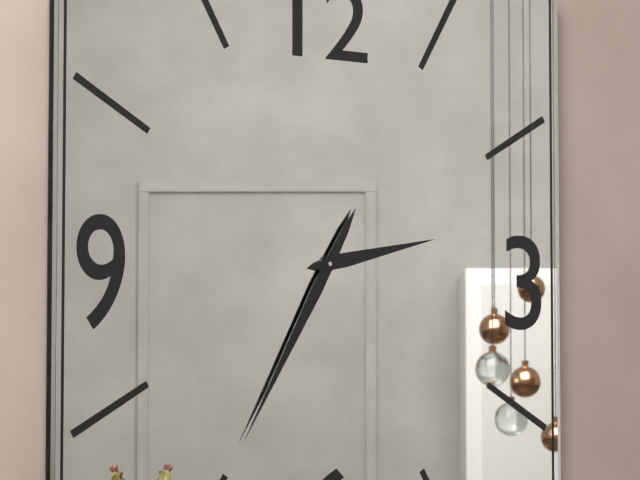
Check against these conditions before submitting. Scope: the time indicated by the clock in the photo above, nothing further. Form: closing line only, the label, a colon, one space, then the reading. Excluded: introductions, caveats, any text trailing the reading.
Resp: 2:35
